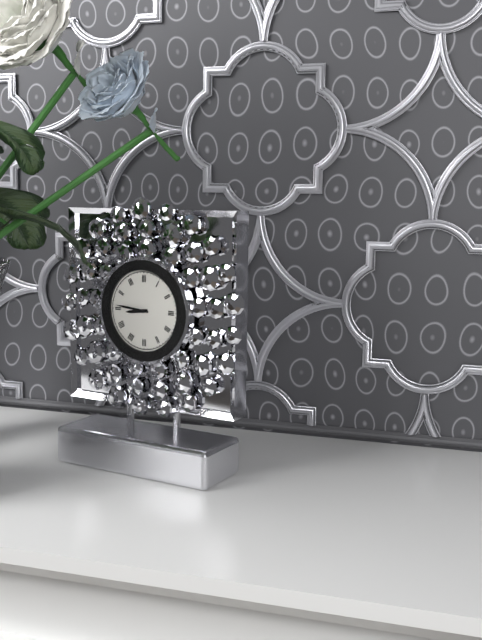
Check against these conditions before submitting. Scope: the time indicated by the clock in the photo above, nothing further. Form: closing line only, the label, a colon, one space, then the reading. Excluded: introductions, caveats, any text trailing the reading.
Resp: 8:46
